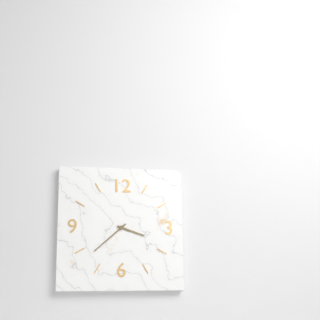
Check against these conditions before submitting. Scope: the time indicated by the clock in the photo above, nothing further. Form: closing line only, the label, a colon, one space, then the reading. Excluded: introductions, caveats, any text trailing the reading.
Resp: 3:38
